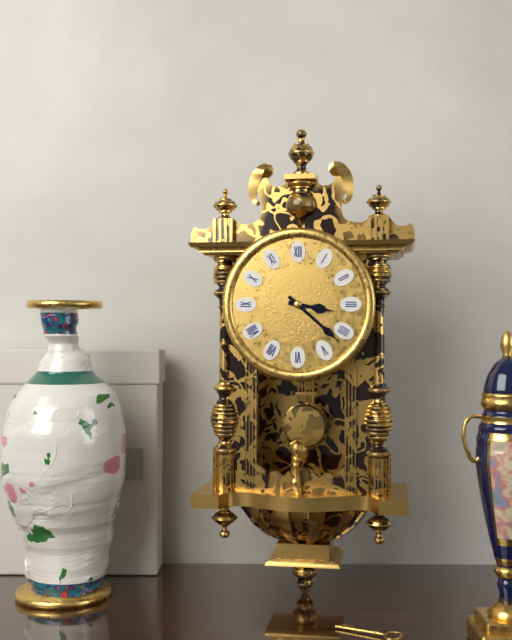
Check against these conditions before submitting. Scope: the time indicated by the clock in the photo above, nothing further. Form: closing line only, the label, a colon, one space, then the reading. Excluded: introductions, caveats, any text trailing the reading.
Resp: 3:22
